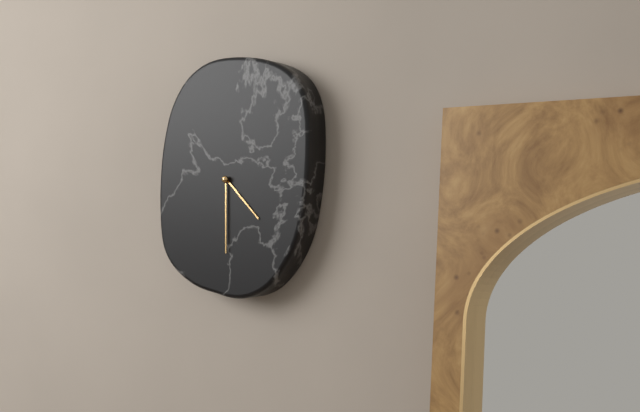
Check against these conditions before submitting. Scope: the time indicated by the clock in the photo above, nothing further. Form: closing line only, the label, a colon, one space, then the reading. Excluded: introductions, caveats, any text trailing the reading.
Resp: 4:30
